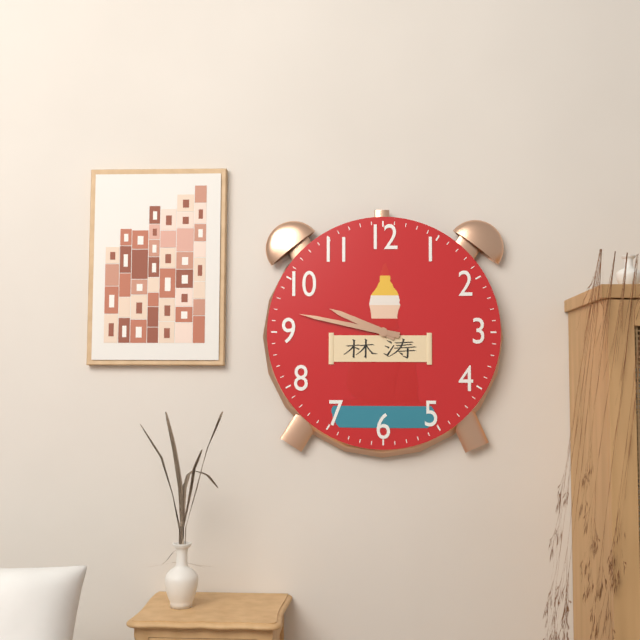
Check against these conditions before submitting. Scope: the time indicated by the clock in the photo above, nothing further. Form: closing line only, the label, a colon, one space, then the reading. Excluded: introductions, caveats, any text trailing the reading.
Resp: 9:47
